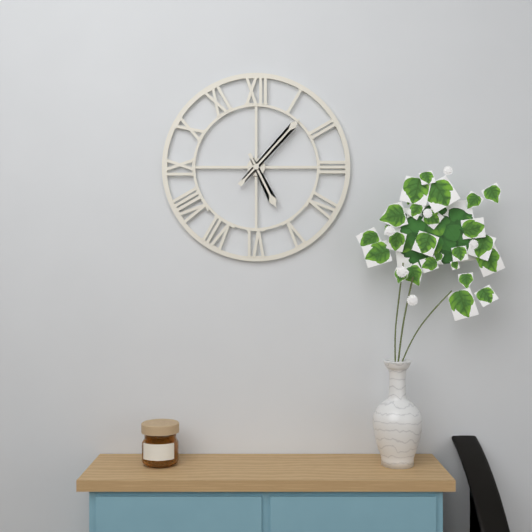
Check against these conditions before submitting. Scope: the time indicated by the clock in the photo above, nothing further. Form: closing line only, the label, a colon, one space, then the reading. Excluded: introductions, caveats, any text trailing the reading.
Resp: 5:07
